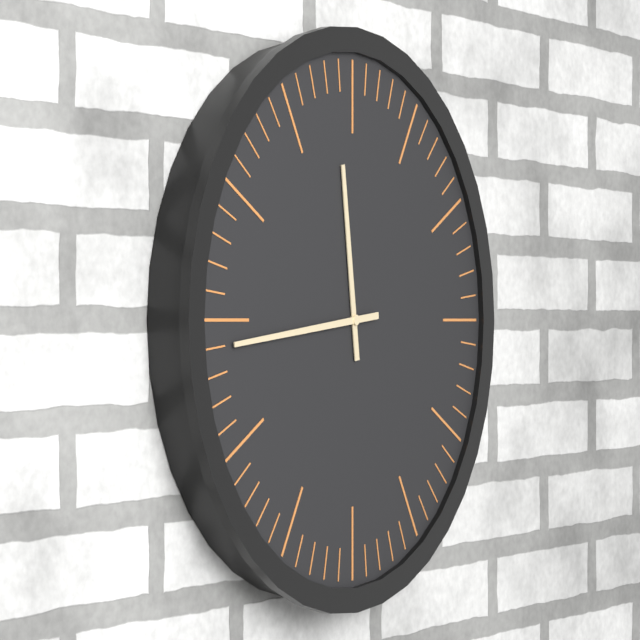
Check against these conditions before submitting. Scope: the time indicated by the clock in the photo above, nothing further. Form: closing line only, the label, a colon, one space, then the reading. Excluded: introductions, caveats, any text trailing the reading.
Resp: 11:44
